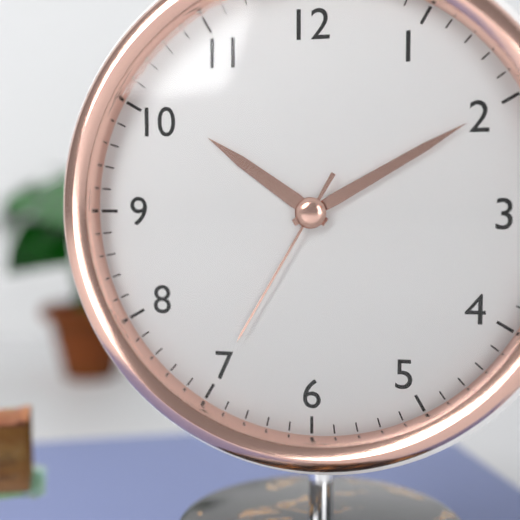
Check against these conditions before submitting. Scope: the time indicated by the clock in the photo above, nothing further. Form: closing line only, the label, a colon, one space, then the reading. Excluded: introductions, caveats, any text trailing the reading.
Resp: 10:10:35
